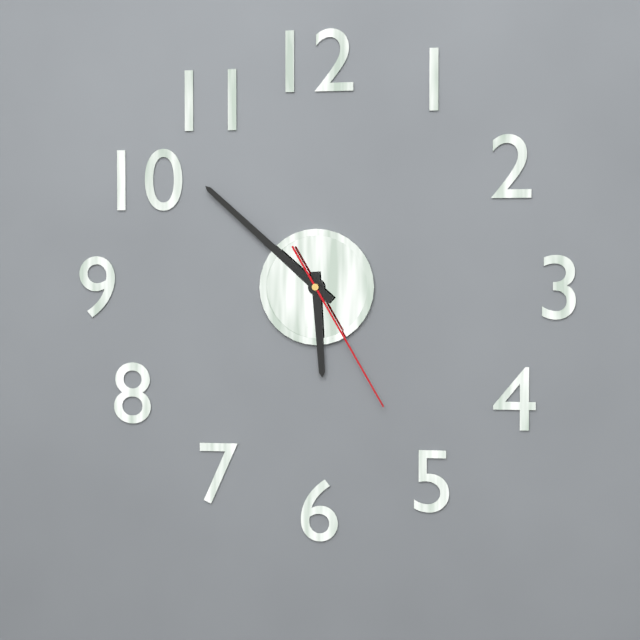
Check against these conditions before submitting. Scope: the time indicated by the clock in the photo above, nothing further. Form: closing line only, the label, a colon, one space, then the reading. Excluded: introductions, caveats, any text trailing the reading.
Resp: 5:52:25
